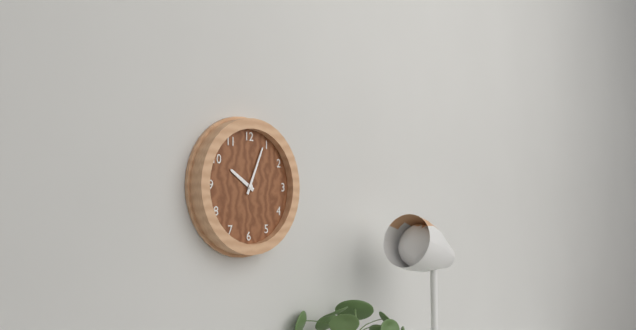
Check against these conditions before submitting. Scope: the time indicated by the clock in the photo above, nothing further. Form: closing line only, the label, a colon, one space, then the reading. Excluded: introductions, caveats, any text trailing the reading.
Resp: 10:04
